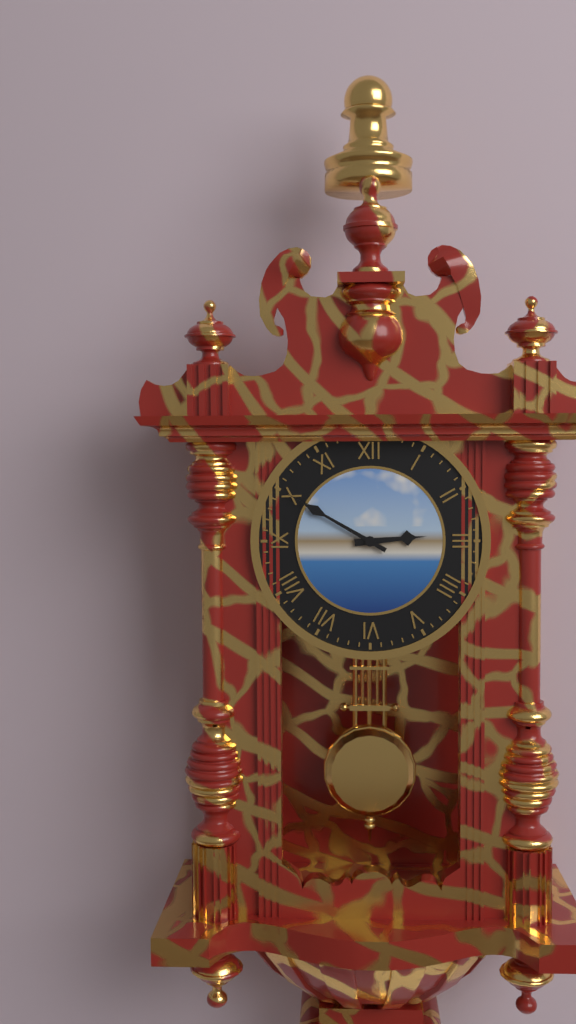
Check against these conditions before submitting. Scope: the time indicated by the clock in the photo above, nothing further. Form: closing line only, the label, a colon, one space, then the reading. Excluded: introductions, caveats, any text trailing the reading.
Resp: 2:50
